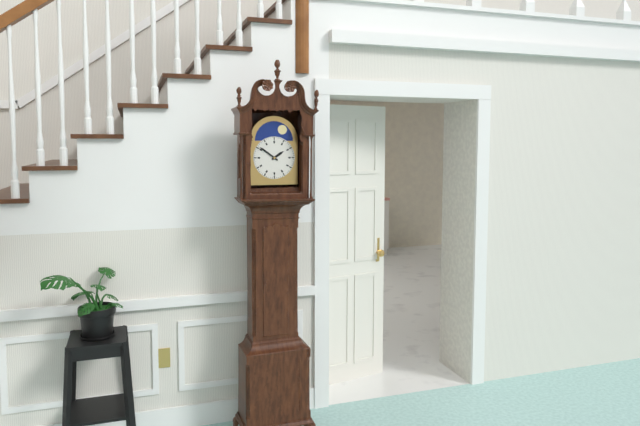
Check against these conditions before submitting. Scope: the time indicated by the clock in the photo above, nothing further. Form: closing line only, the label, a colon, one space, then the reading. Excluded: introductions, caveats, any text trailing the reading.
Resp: 1:51
